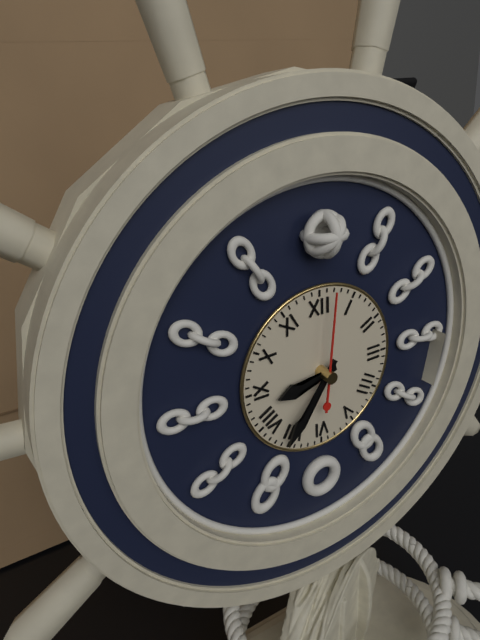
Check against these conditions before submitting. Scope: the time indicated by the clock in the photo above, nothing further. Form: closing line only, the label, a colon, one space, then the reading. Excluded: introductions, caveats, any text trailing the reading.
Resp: 8:36:01
